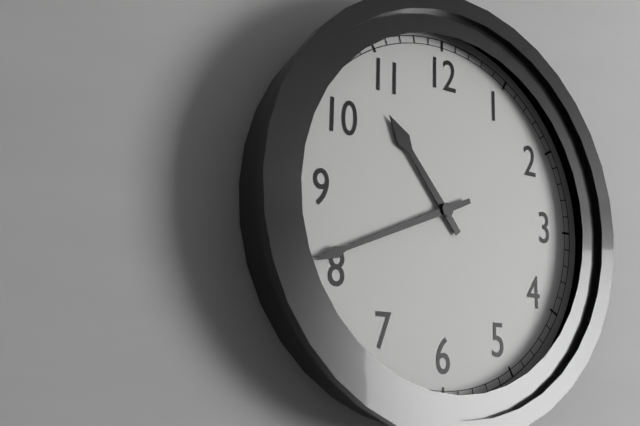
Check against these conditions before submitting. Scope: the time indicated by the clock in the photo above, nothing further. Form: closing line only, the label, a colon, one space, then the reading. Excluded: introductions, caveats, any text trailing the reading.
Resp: 10:41
